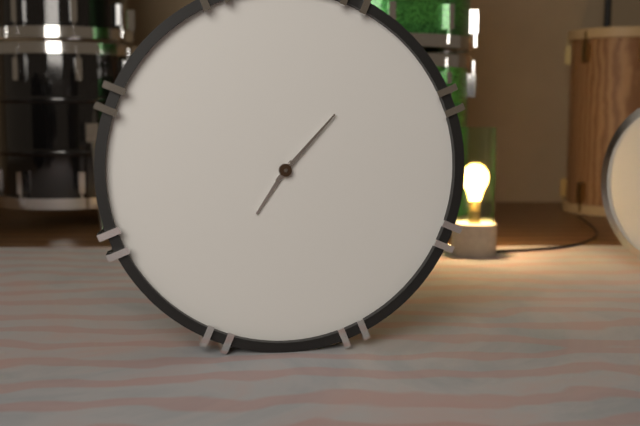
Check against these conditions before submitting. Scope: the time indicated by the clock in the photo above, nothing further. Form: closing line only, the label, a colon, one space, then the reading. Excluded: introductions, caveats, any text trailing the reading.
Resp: 7:07
